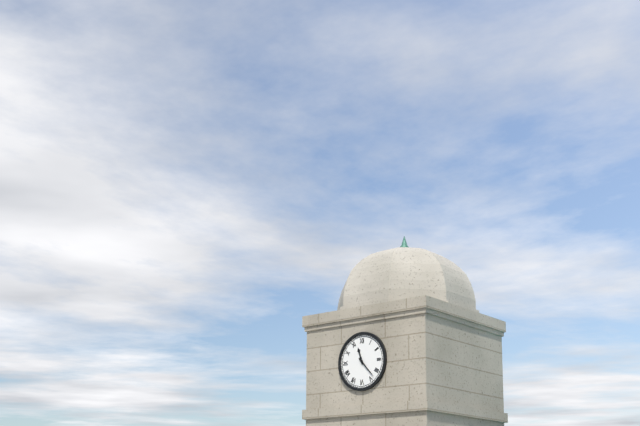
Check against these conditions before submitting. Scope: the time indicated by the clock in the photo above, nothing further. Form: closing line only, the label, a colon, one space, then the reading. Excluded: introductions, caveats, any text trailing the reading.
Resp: 11:23
